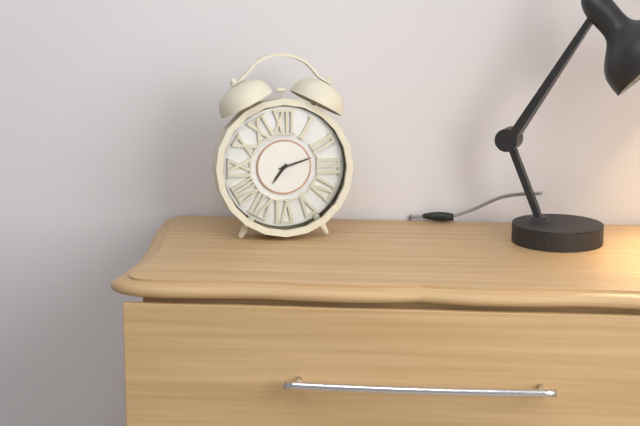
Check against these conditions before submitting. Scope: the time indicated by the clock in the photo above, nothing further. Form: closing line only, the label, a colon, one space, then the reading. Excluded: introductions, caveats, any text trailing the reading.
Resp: 7:12
